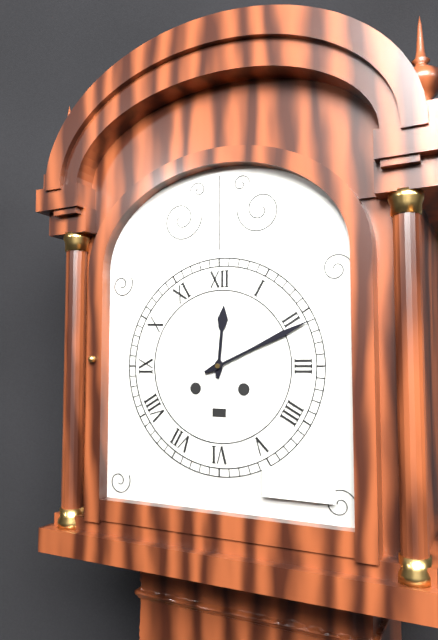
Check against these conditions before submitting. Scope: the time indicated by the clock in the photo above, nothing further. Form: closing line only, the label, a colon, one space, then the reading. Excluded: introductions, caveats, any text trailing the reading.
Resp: 12:11
